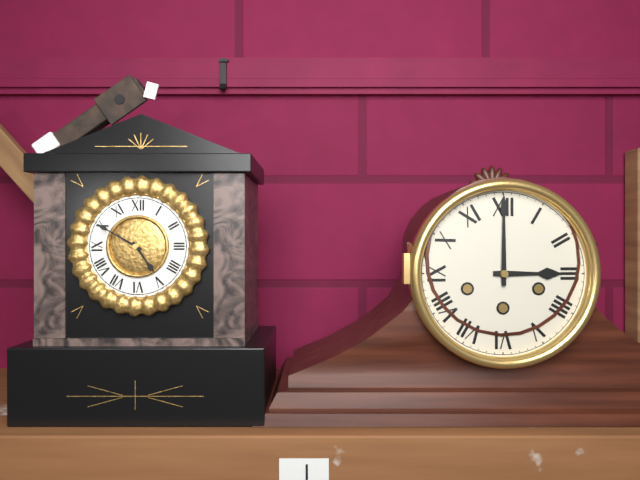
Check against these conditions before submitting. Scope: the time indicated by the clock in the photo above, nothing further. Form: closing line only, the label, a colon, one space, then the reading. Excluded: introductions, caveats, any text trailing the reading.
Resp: 3:00
